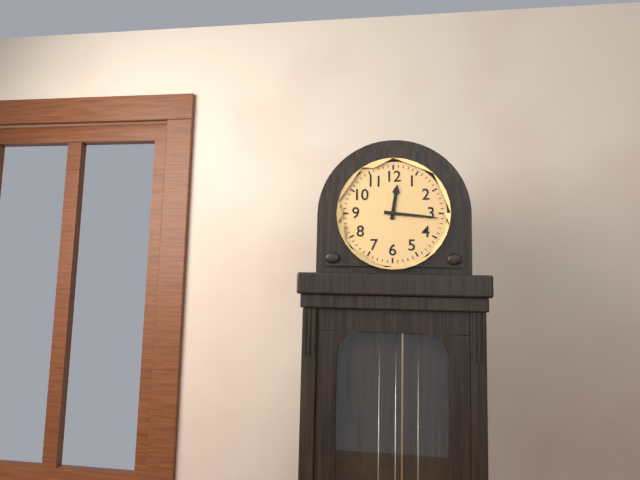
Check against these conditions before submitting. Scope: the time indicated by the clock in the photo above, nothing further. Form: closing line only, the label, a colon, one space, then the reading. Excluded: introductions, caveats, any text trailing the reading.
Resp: 12:16
